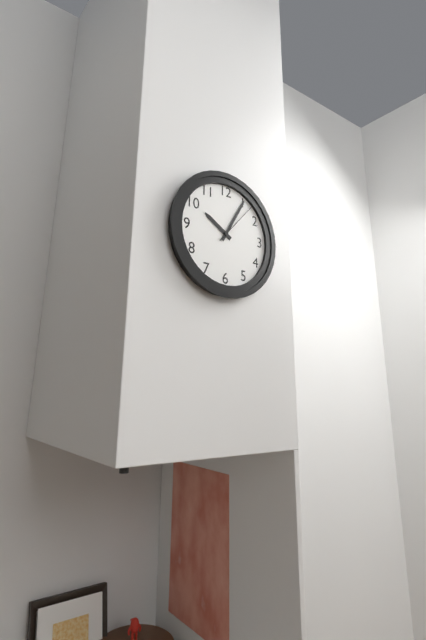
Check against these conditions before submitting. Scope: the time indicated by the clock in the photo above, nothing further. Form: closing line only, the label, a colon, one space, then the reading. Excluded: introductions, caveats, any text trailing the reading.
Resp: 10:05
